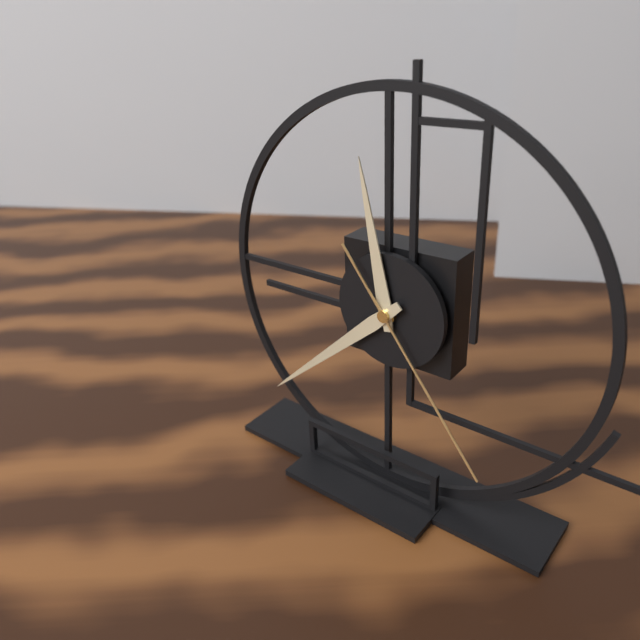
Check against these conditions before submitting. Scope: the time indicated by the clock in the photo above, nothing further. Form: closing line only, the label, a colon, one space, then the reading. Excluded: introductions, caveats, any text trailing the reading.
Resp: 11:38:24
